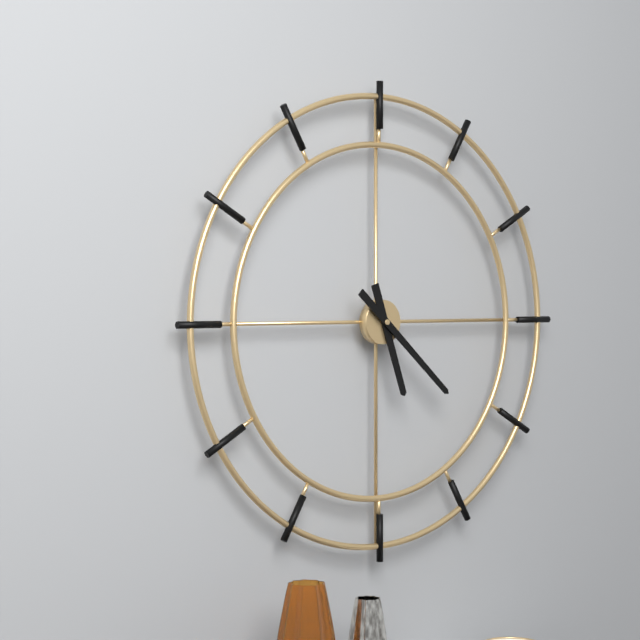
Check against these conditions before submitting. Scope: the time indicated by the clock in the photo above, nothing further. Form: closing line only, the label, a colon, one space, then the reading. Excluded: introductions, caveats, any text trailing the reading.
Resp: 5:22
